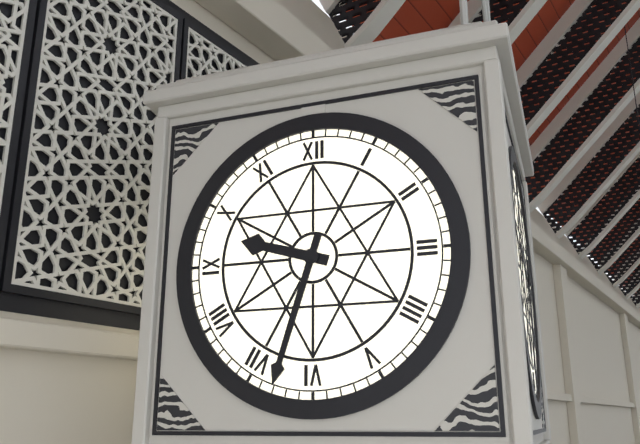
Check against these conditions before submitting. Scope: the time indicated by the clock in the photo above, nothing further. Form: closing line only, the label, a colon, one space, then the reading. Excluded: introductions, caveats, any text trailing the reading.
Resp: 9:33
